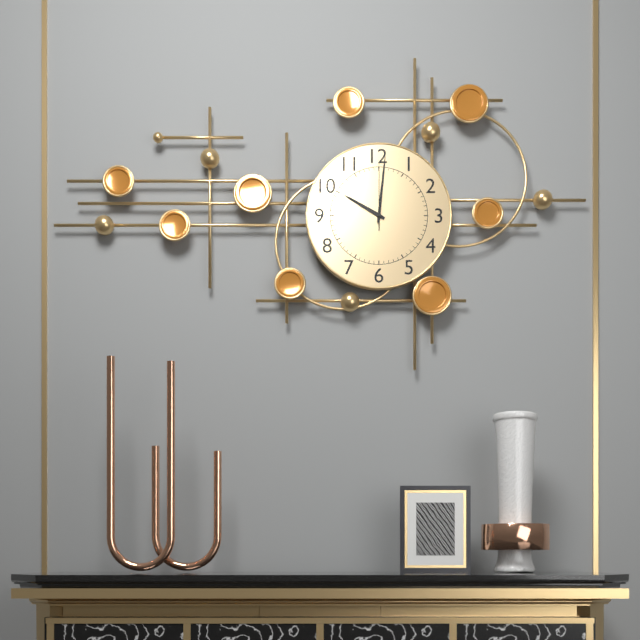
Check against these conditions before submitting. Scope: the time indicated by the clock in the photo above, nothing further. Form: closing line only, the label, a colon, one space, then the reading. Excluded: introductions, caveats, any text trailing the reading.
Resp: 10:01:00
